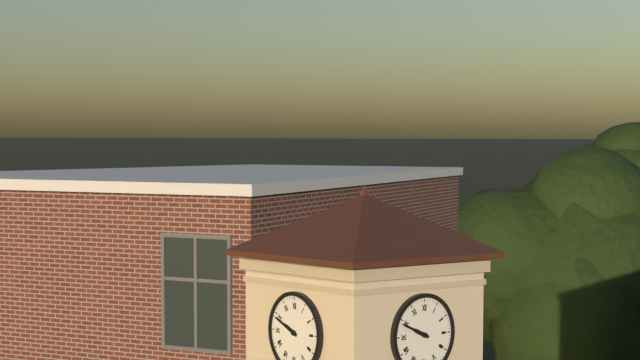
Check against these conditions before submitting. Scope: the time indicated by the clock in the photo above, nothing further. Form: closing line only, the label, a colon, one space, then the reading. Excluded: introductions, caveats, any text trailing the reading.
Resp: 9:49
